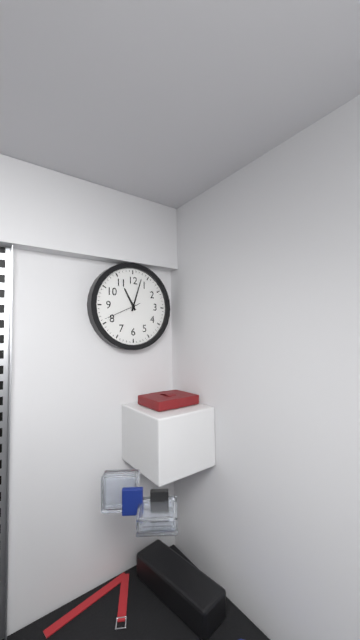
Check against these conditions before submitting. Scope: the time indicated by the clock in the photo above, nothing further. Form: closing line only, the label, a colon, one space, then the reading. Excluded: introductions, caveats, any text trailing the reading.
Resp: 11:03
